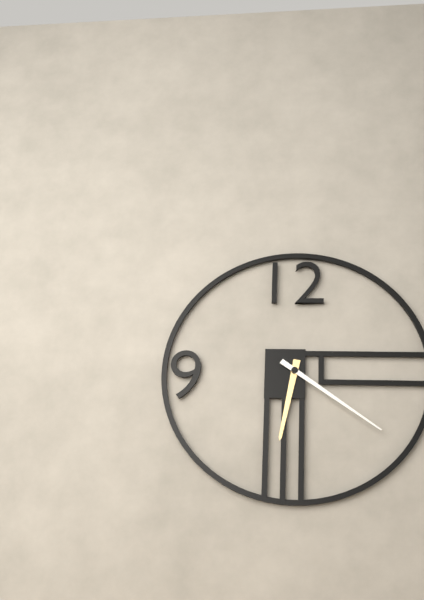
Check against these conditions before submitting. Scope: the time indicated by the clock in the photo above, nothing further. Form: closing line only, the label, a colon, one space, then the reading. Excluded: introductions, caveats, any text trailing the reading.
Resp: 6:21
